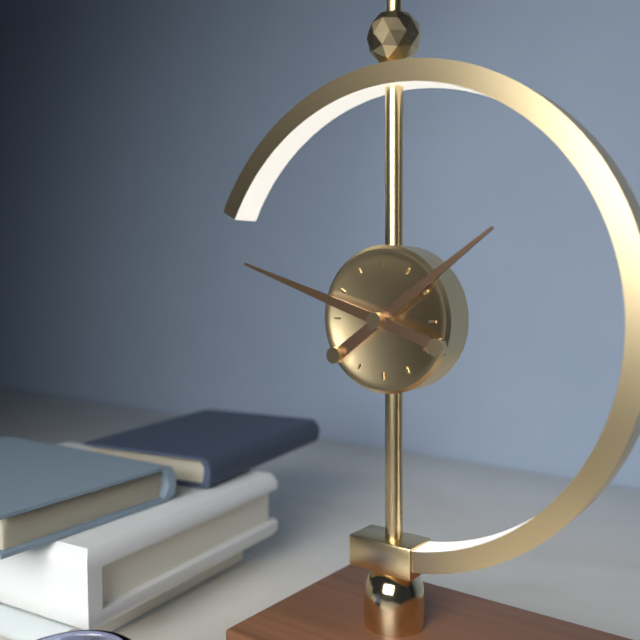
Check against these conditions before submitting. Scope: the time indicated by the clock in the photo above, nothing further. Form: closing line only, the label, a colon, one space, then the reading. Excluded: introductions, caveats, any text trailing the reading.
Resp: 1:48
